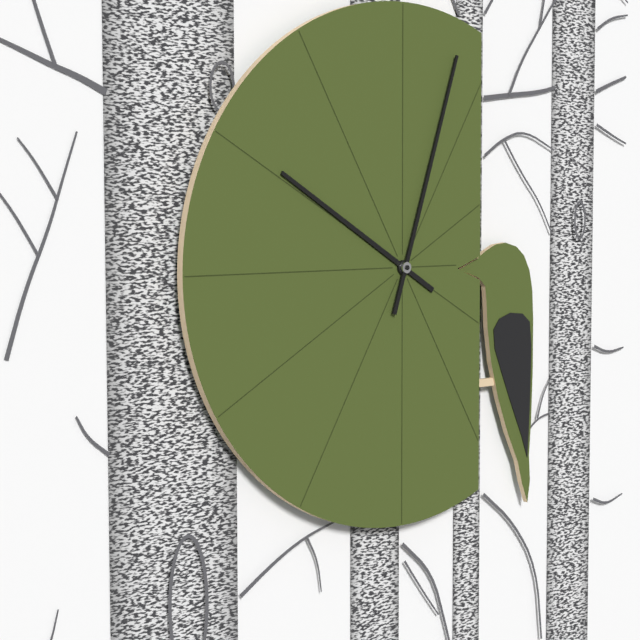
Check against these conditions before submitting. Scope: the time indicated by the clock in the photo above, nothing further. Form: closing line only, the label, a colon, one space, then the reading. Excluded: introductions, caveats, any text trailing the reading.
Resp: 10:03
